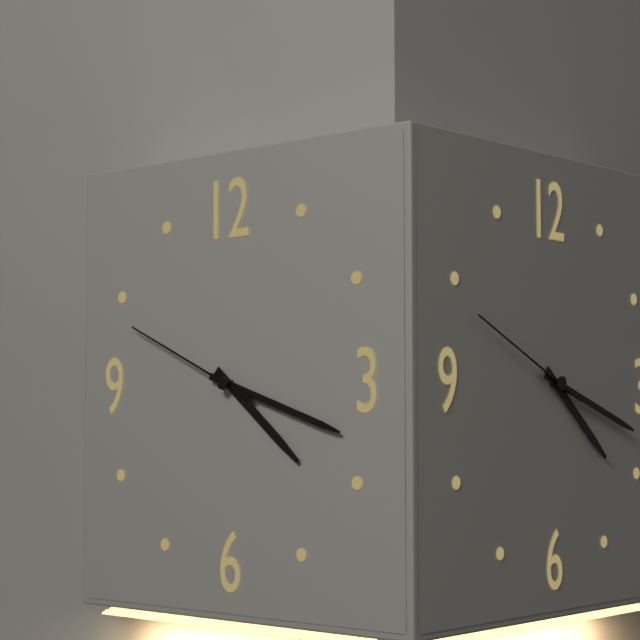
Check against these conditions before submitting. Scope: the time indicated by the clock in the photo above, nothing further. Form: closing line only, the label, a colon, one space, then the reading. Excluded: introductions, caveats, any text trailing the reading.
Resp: 4:18:49
